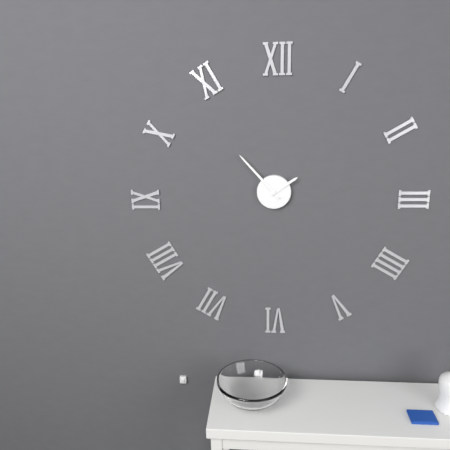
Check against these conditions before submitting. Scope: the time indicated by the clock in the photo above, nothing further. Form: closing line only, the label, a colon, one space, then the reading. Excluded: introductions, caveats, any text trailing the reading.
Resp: 1:53
